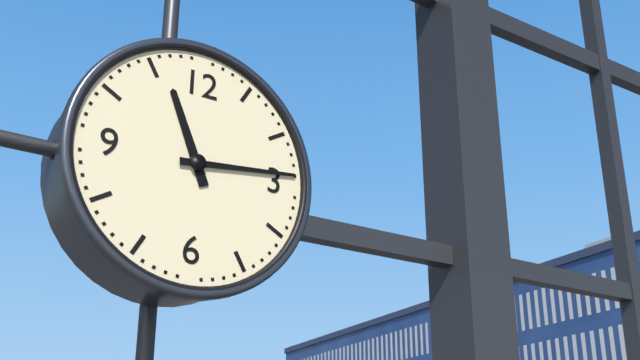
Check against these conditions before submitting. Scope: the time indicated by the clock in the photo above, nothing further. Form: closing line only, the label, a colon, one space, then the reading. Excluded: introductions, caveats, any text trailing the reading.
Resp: 11:14
